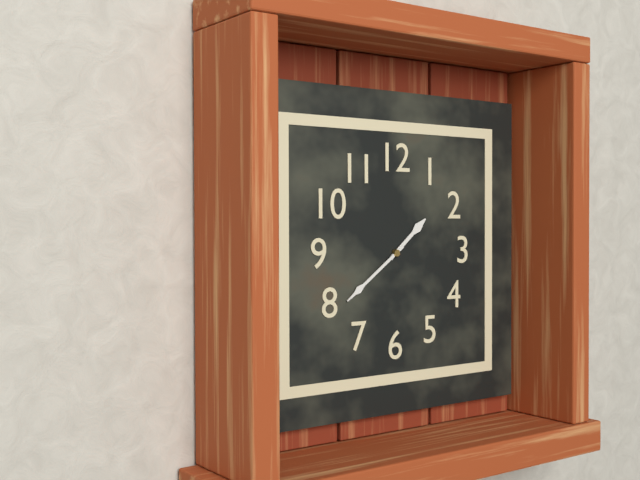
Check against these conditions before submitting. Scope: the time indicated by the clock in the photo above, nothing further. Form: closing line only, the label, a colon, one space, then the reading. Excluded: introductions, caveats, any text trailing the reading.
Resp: 1:39
